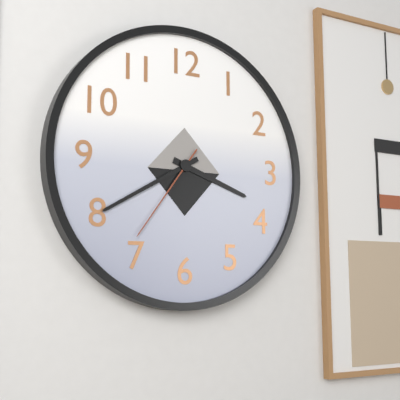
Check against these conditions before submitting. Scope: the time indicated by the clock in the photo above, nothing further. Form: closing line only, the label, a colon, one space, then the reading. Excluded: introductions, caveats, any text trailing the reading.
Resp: 3:40:36
